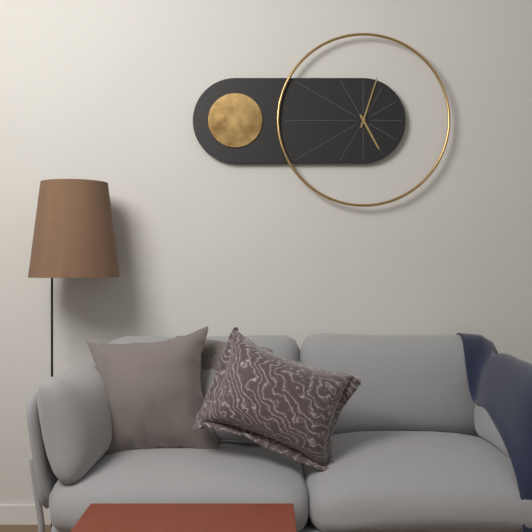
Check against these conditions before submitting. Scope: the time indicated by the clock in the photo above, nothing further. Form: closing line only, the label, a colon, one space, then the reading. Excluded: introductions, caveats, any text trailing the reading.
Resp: 5:03
